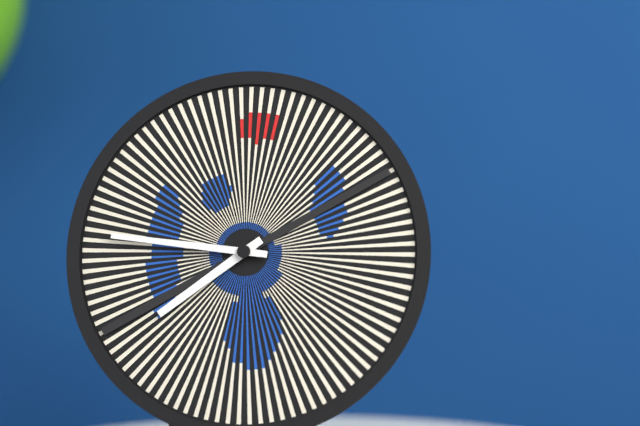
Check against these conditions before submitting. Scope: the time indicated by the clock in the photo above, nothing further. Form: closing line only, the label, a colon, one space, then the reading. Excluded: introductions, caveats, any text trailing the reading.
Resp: 7:46
